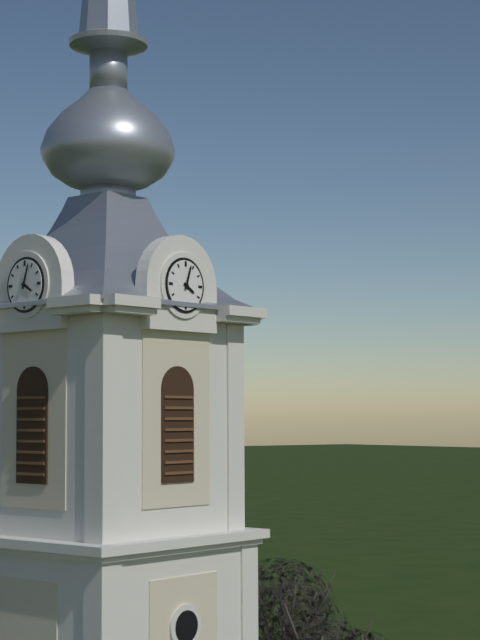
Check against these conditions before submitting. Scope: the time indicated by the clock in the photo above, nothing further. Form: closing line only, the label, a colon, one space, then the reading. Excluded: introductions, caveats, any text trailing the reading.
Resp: 4:03
